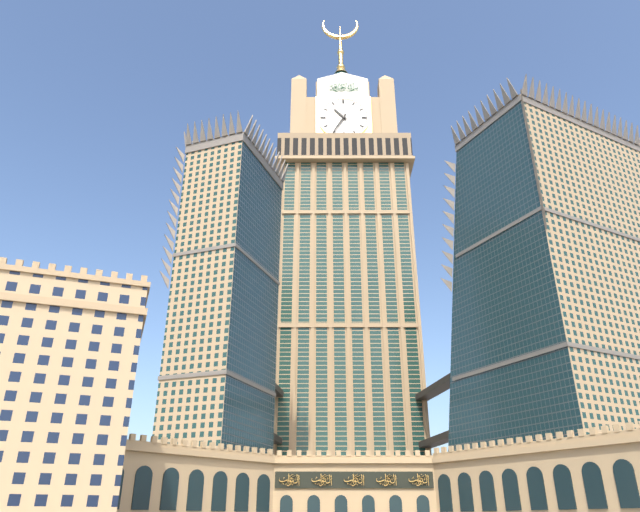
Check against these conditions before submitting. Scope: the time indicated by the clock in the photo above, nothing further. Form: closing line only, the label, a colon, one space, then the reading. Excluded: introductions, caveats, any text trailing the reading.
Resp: 10:35
